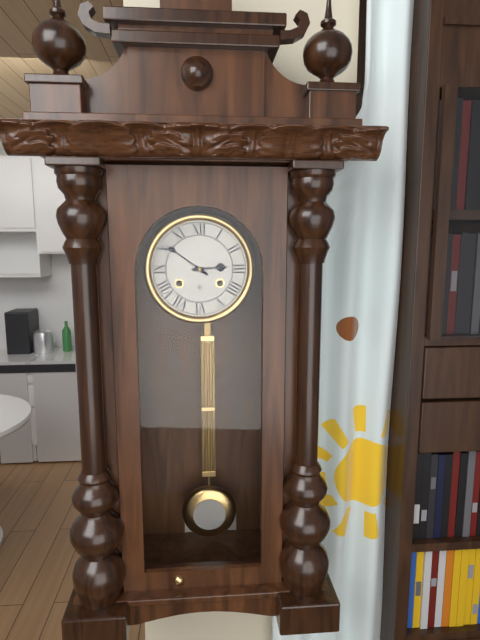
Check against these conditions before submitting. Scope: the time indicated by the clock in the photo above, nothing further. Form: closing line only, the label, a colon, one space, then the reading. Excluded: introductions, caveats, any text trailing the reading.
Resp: 2:51
